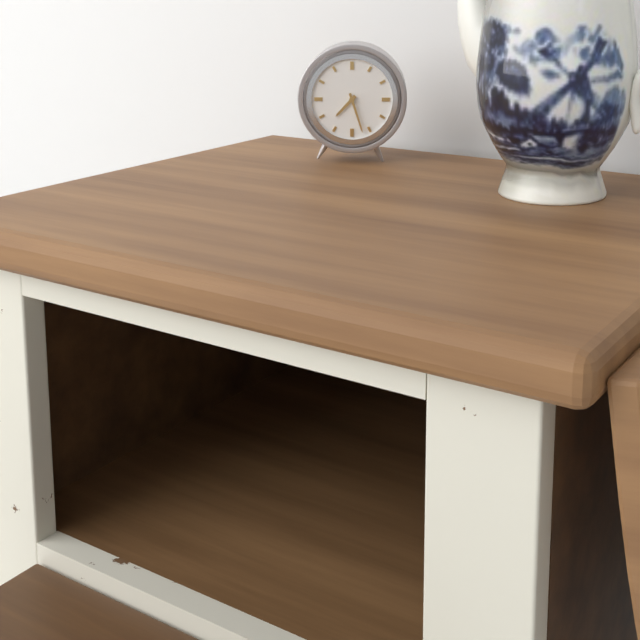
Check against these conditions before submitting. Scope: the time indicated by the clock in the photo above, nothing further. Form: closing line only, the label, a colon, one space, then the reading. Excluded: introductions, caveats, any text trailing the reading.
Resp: 7:27
